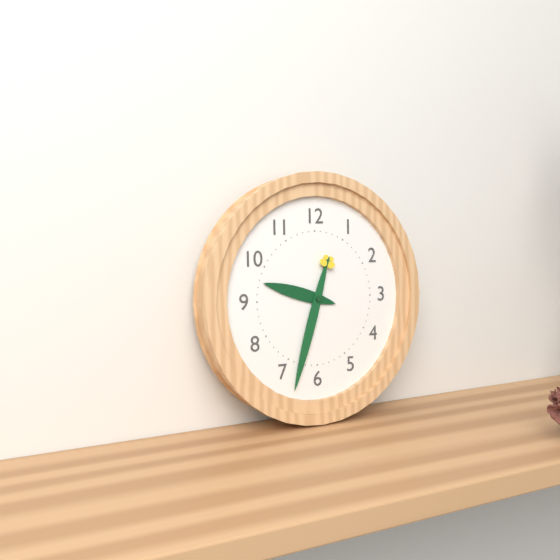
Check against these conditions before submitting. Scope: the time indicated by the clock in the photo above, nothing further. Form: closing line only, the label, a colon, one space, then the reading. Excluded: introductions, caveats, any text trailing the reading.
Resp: 9:33
